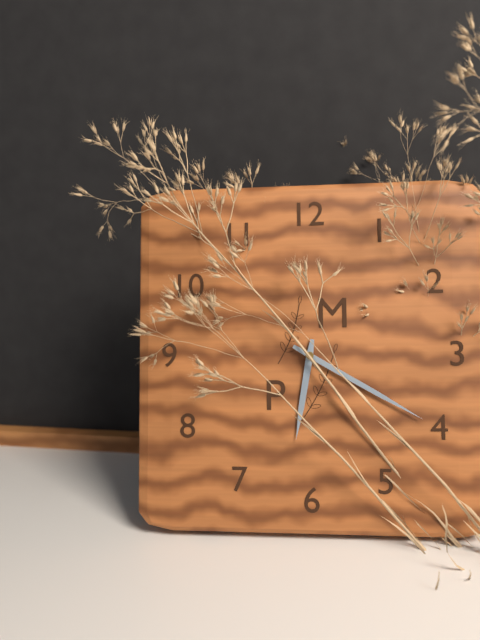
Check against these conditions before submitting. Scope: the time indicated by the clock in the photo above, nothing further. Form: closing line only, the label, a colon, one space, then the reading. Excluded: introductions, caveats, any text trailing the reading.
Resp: 6:20
